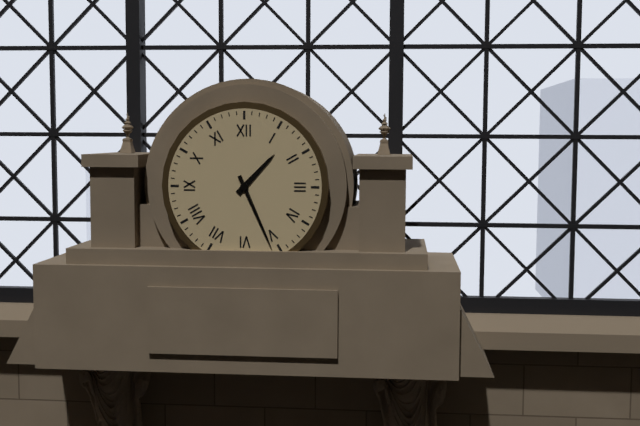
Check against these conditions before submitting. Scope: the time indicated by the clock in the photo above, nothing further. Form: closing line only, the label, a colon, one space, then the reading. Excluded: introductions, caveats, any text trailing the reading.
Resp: 1:26
